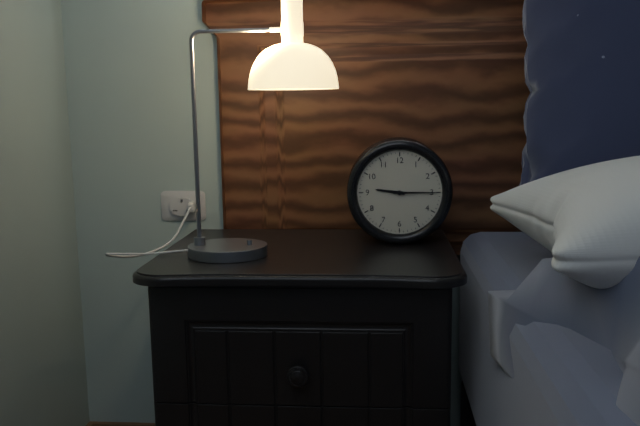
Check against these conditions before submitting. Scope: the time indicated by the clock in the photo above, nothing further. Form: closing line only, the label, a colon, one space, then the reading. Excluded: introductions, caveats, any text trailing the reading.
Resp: 9:15
